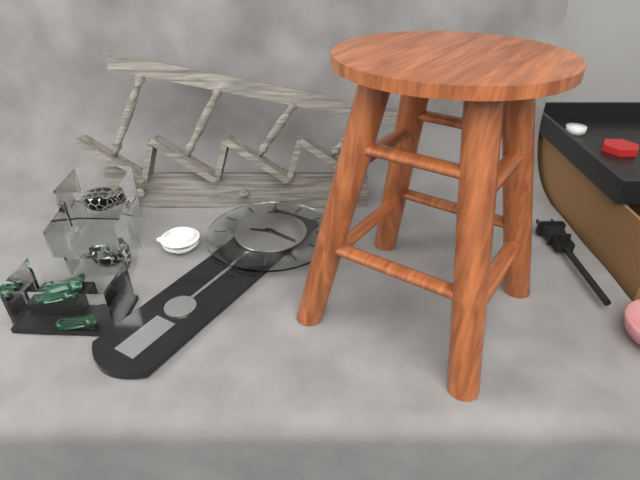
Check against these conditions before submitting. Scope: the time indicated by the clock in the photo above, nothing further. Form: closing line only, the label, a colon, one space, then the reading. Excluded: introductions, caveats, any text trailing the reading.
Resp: 8:16
